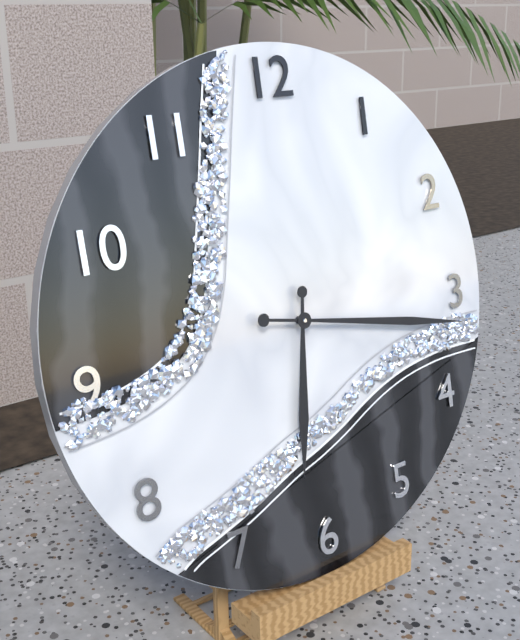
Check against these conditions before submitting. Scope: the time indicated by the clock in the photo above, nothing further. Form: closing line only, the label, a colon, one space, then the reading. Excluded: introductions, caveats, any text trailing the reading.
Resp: 6:17
